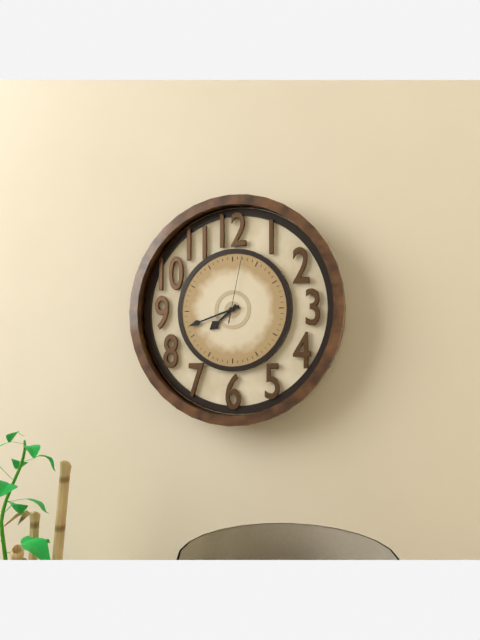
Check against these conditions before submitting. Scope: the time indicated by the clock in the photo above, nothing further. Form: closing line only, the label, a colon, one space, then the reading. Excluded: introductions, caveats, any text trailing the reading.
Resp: 7:42:02
